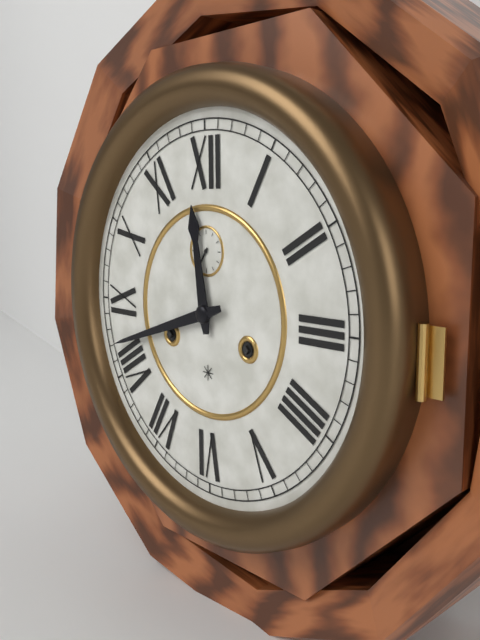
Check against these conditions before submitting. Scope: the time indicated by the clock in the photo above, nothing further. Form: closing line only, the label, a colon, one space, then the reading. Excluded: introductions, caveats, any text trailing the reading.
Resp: 11:42
